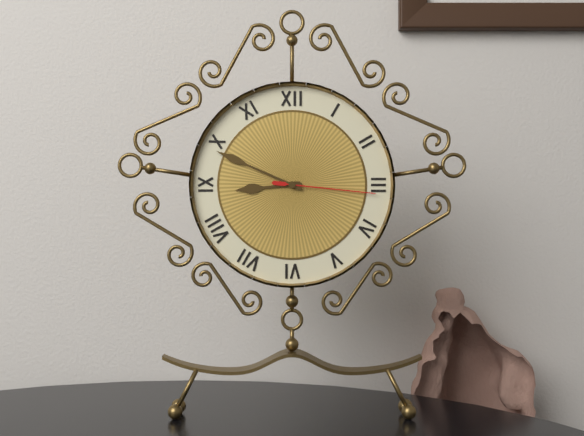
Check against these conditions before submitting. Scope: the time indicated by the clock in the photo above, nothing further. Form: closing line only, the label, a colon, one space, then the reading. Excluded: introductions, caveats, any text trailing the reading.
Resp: 8:49:16
